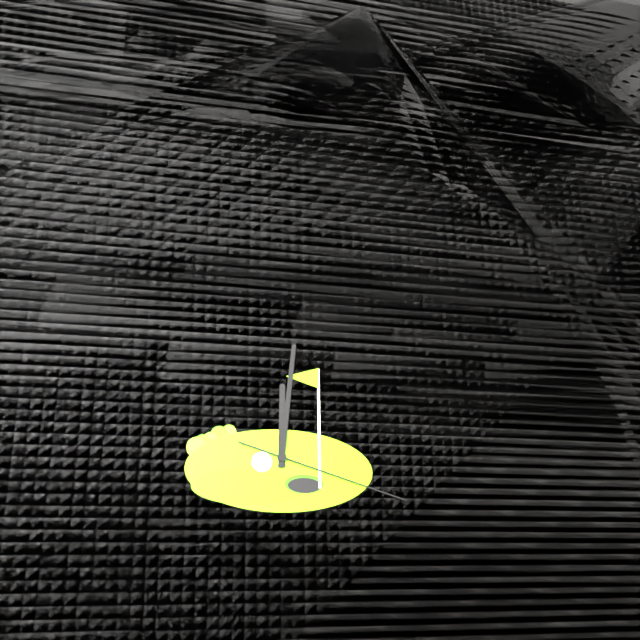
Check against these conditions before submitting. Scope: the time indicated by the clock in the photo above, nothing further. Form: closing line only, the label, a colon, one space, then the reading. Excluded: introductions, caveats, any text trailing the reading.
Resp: 12:01:18
